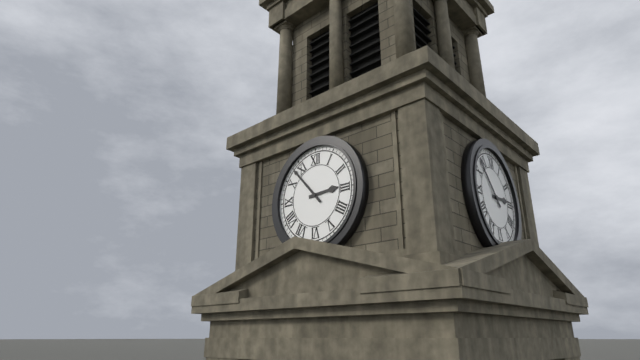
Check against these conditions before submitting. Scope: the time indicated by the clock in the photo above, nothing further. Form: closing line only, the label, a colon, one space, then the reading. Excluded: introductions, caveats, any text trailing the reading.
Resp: 2:53
